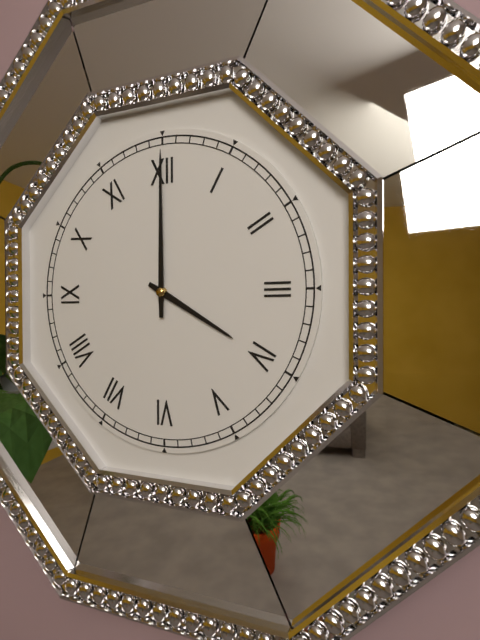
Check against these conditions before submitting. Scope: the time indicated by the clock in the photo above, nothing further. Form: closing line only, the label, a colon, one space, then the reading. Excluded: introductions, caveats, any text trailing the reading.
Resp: 4:00
